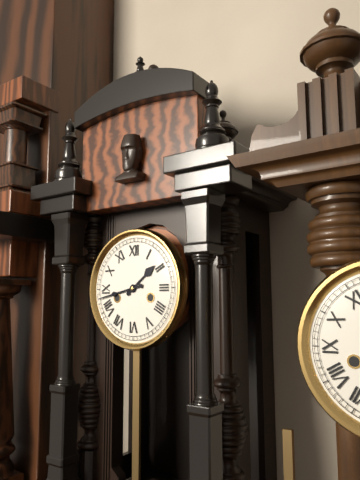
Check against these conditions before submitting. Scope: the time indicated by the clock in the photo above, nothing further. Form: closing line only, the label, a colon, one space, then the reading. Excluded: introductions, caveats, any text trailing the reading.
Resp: 1:43
